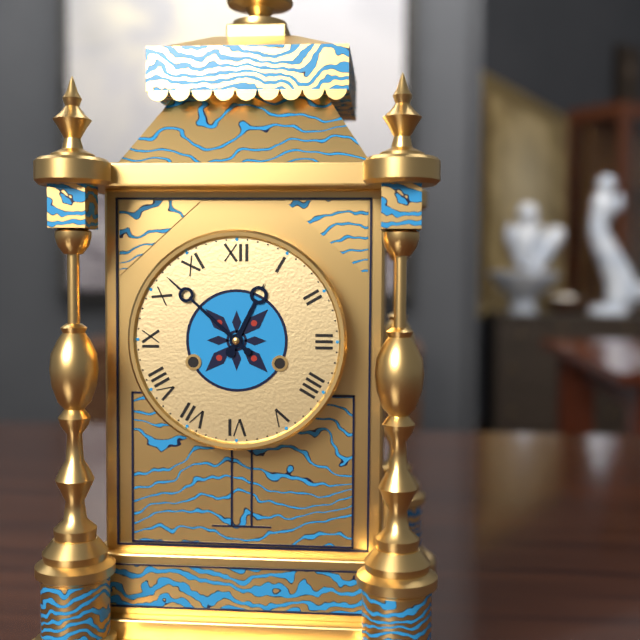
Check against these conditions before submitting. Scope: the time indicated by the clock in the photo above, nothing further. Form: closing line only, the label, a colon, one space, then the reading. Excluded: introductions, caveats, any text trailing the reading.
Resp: 12:52
